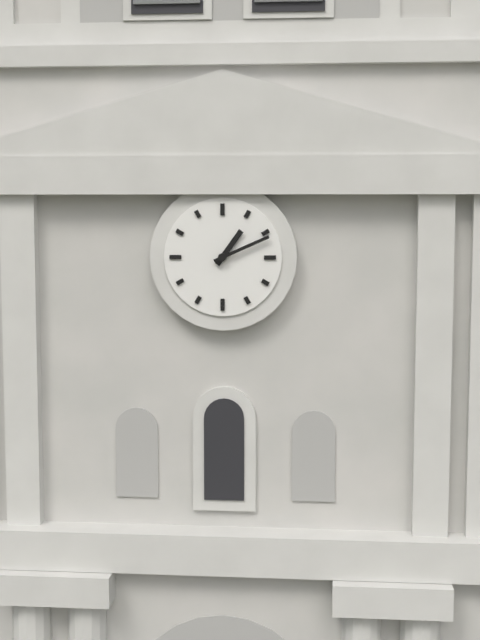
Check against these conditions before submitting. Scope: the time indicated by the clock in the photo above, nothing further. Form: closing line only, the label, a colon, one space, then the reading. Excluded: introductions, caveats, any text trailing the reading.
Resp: 1:11
